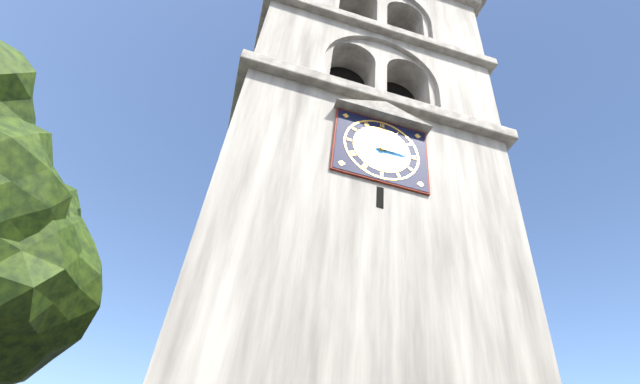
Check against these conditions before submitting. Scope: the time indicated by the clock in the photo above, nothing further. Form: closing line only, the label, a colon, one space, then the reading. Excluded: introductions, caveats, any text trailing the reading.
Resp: 1:15
